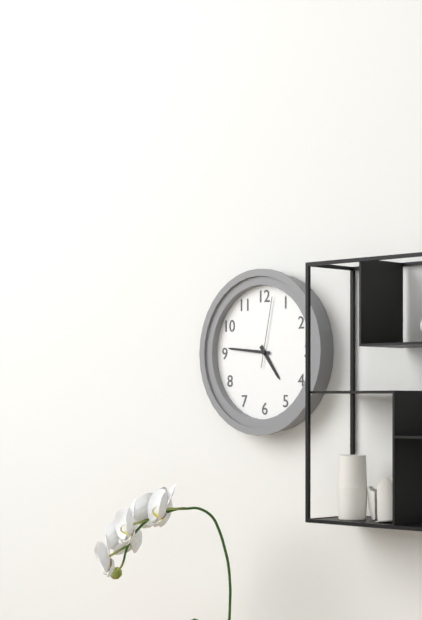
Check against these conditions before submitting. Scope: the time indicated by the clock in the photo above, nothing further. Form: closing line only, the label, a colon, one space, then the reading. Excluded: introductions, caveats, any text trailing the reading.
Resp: 4:46:02
